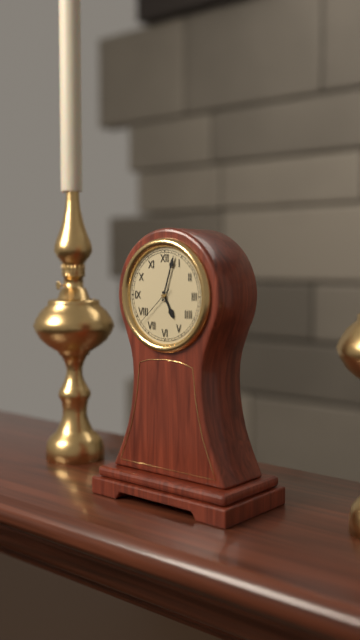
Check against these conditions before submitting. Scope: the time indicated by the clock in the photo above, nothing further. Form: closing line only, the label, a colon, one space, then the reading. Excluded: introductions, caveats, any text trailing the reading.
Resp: 5:03:38
